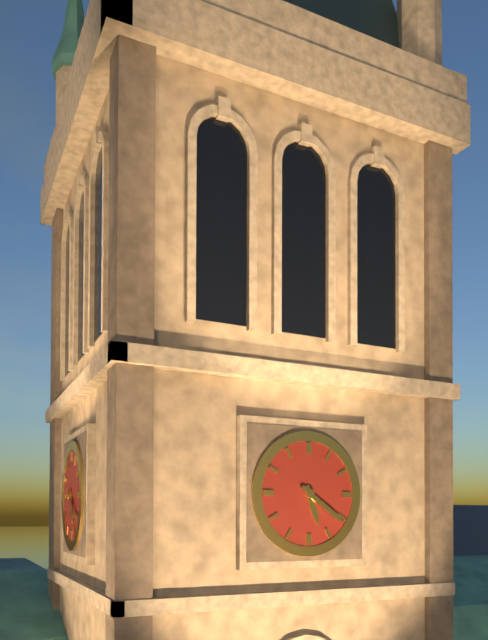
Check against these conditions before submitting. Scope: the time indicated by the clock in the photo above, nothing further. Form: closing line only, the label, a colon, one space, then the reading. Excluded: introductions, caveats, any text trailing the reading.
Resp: 5:21
